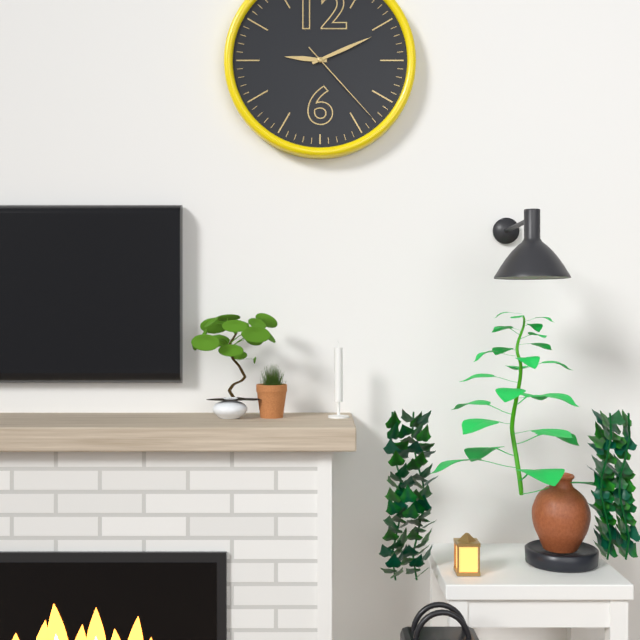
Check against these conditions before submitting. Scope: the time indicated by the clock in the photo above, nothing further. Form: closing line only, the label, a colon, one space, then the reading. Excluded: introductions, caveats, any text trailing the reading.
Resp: 9:11:23
